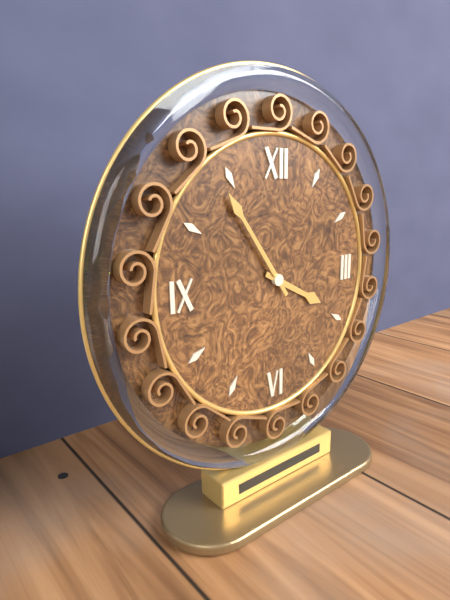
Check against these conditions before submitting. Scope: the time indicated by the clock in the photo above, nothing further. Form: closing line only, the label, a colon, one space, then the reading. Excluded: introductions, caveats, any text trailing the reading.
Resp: 3:54
